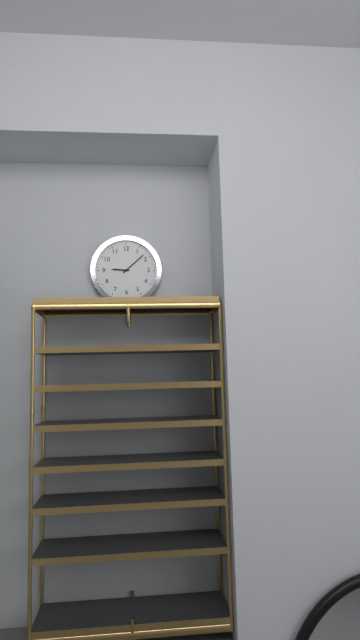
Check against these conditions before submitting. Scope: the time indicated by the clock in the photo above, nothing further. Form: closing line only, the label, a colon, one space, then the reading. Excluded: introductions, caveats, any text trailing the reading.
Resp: 9:08
